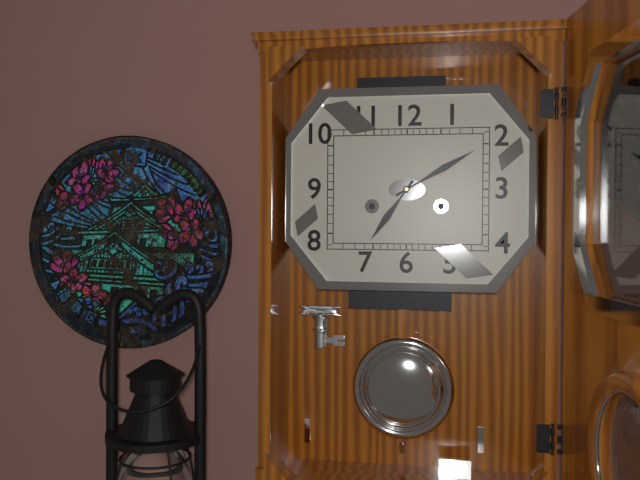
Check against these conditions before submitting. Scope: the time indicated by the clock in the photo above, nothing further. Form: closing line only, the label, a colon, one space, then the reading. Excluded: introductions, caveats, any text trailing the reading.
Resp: 7:10
